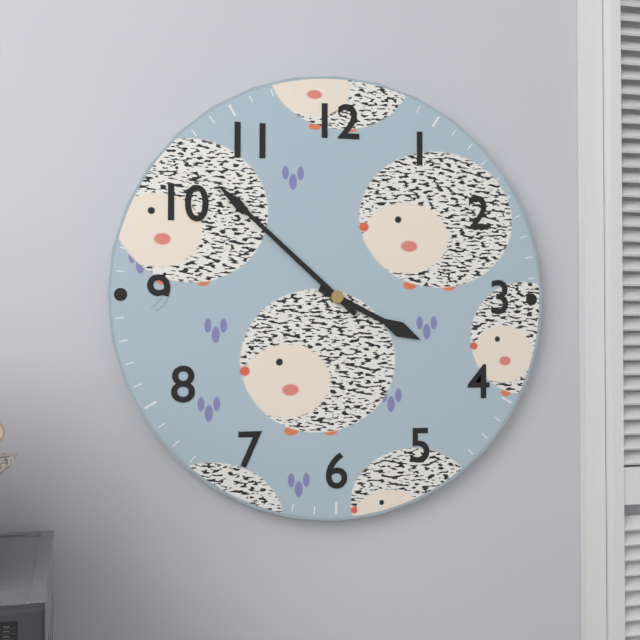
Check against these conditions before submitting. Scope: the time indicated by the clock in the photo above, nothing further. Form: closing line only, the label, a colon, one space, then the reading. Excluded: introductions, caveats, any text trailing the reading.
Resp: 3:52
